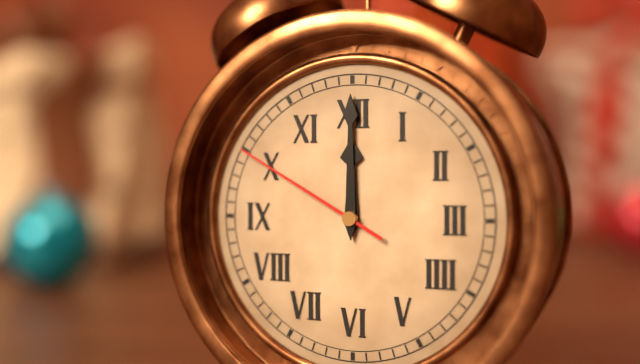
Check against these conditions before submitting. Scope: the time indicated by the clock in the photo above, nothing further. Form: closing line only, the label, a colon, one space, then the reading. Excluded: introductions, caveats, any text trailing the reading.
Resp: 12:00:50
